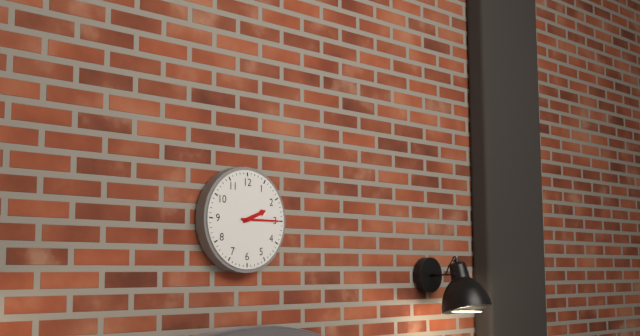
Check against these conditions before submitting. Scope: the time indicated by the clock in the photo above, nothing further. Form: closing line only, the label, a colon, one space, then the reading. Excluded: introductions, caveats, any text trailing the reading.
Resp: 2:15
